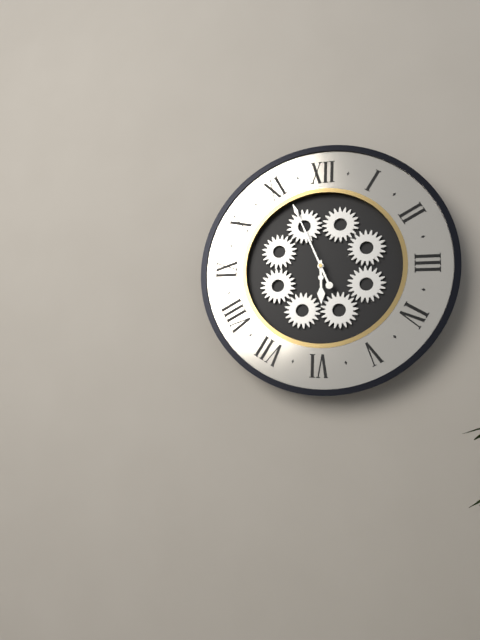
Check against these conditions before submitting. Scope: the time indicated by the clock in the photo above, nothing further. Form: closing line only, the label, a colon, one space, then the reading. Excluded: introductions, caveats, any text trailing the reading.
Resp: 5:56
